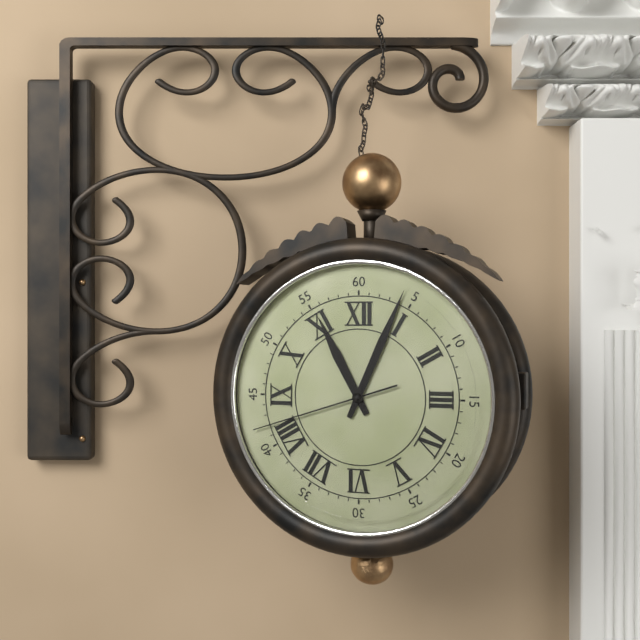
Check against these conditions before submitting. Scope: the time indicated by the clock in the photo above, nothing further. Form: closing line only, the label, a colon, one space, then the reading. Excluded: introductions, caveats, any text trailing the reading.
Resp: 11:04:42
